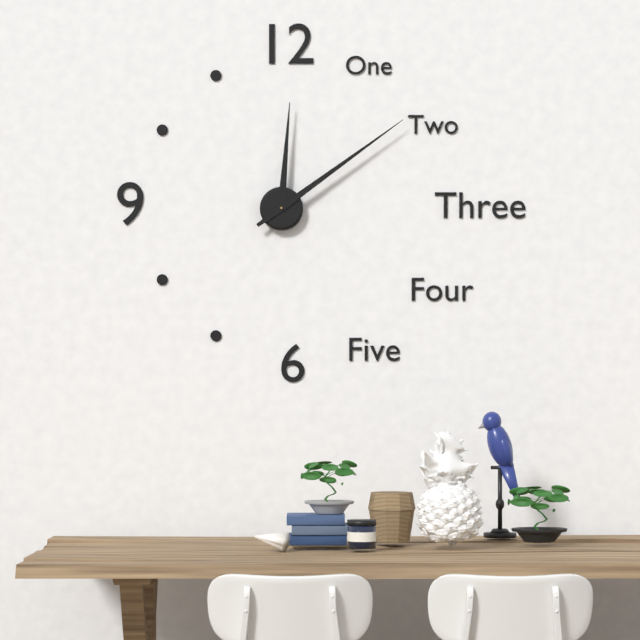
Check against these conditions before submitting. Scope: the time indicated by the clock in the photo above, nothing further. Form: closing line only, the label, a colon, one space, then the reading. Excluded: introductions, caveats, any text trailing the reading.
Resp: 12:09
